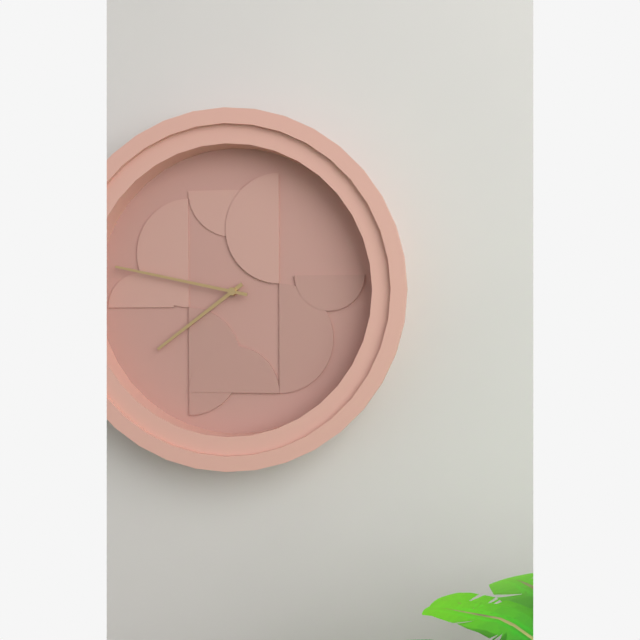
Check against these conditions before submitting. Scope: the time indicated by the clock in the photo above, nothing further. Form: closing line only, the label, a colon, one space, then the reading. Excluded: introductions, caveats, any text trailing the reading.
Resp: 7:47
